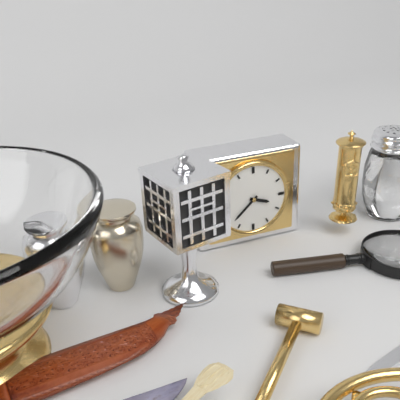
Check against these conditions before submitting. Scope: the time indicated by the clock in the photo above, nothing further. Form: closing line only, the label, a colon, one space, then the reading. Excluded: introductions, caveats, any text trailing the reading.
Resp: 3:38
